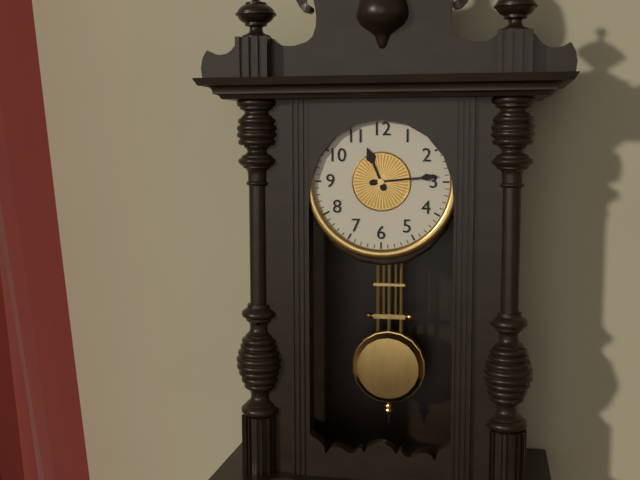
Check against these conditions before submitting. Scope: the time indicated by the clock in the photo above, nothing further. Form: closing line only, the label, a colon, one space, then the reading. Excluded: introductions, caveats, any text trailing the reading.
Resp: 11:14
